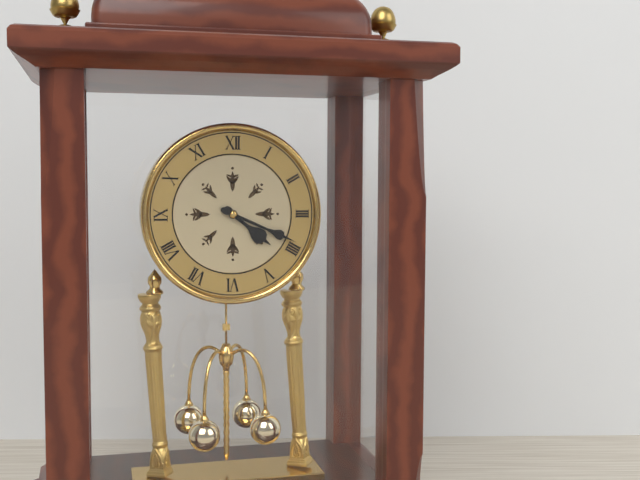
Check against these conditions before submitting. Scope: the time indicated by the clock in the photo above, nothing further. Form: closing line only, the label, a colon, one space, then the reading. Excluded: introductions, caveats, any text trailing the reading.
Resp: 4:19
